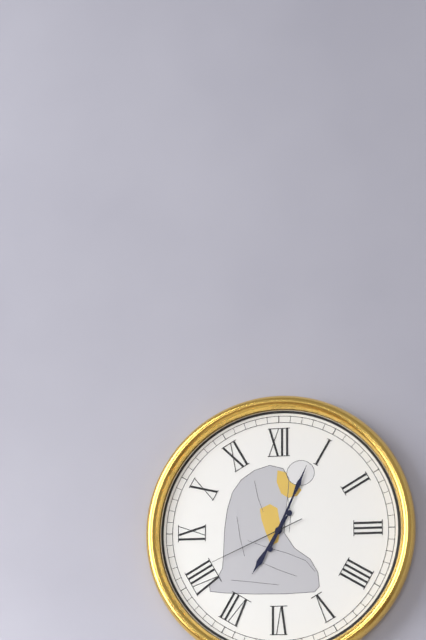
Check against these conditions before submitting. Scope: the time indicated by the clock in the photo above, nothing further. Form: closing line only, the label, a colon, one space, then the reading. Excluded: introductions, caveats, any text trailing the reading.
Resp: 7:04:41
